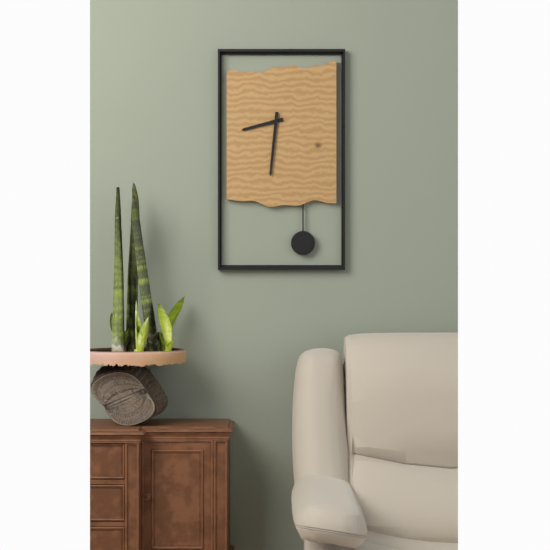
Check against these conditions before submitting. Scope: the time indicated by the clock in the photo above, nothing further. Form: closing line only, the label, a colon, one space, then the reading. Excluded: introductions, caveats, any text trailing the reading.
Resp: 8:31
